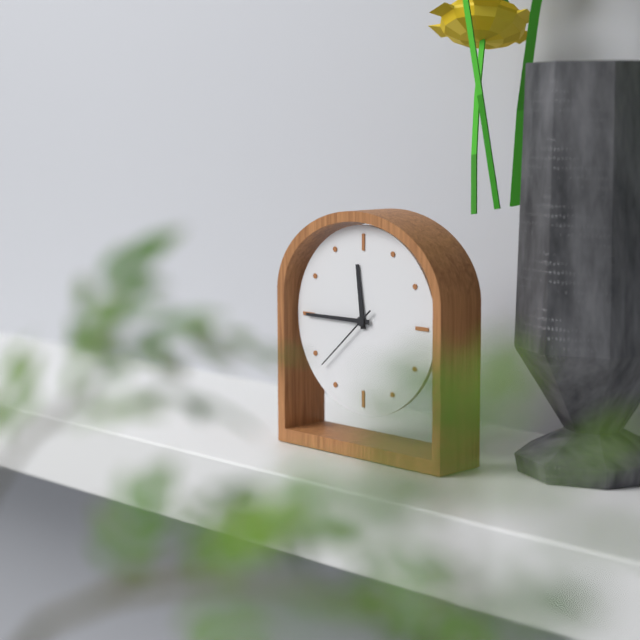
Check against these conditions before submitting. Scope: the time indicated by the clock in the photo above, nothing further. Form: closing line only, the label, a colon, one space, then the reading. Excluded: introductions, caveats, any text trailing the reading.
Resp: 11:45:38
